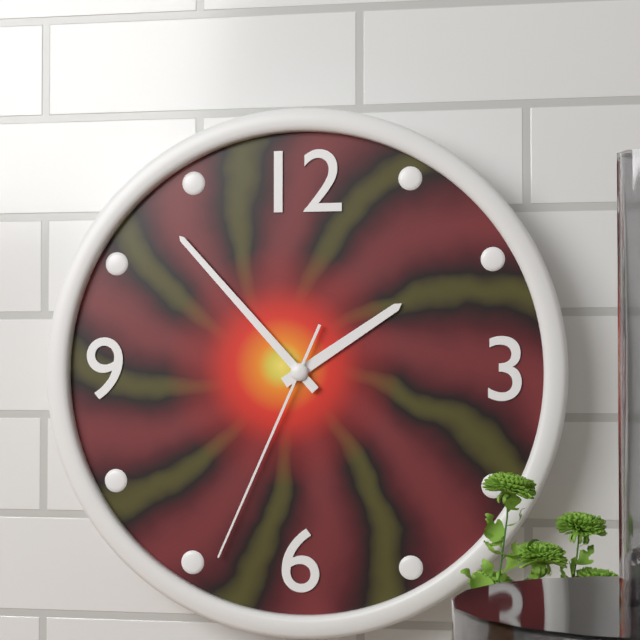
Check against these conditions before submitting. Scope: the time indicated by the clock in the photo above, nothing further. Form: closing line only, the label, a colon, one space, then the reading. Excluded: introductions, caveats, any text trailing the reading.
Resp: 1:53:34
